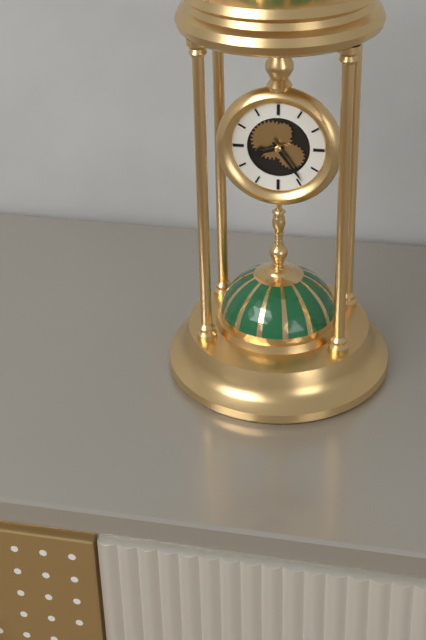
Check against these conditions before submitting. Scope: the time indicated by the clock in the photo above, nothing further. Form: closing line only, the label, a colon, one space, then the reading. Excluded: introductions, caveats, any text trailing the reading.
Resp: 8:24
